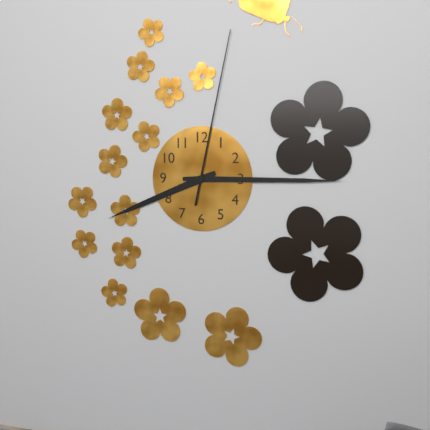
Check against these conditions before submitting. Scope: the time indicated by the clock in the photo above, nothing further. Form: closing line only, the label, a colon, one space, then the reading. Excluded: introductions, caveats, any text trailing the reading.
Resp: 8:15:02
